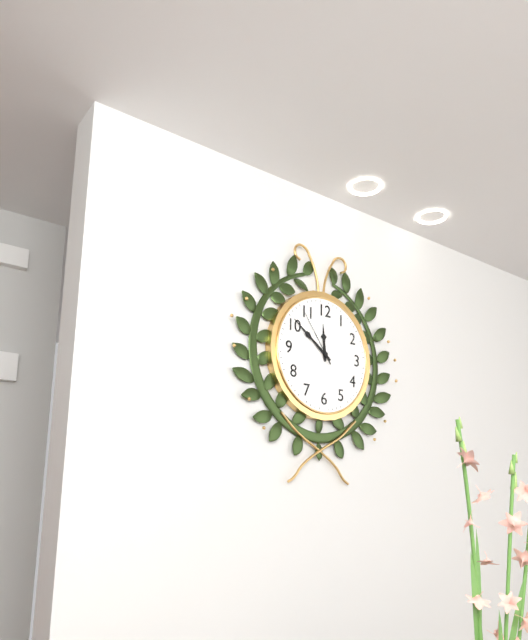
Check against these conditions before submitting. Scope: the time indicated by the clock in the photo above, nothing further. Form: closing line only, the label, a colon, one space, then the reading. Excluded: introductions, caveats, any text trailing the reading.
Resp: 11:51:54
